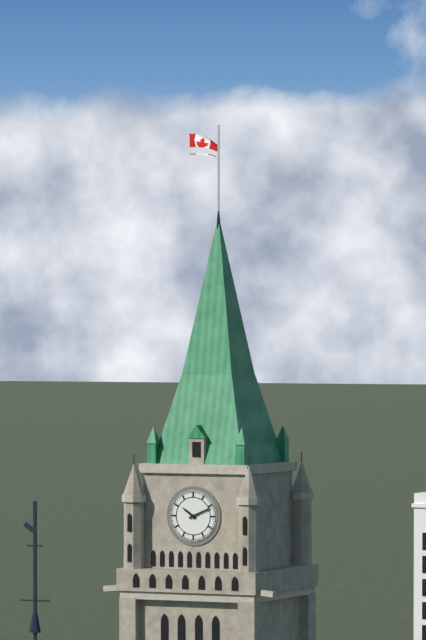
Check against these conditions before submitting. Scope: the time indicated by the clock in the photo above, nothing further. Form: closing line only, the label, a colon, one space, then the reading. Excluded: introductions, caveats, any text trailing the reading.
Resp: 10:11
